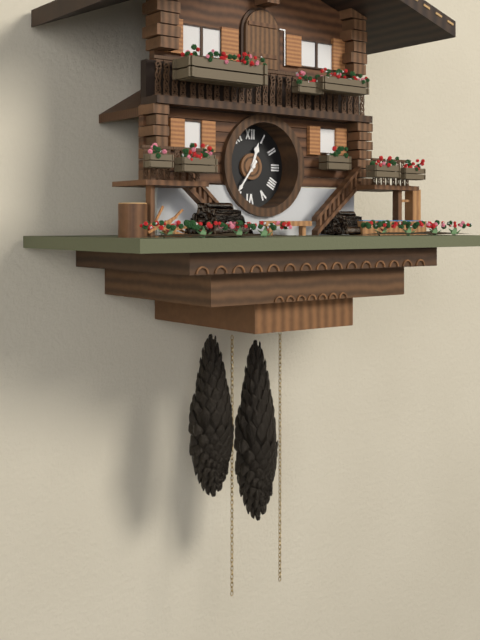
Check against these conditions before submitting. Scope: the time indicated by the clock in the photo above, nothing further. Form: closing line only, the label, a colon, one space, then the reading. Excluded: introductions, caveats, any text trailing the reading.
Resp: 12:36
